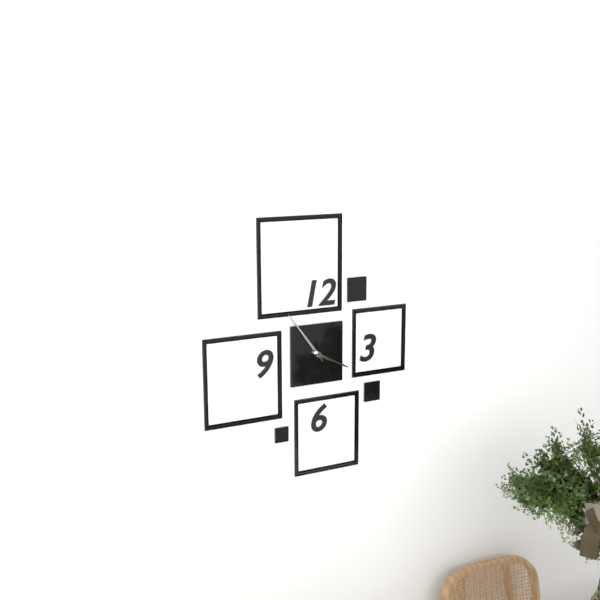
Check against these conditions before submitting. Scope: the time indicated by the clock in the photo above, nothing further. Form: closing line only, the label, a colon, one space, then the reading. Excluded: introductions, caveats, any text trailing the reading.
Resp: 3:54
